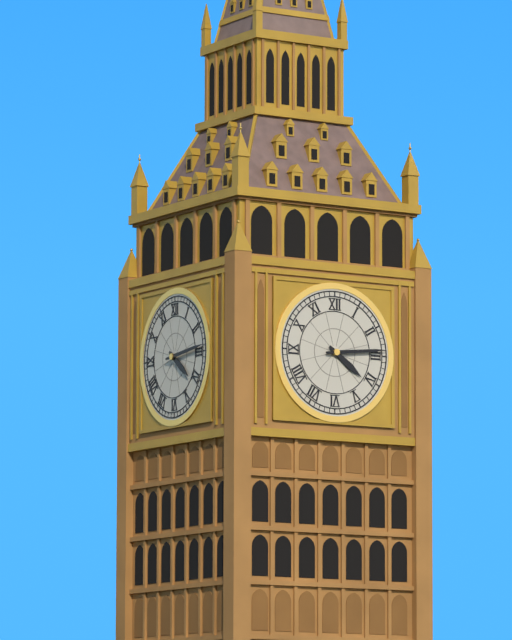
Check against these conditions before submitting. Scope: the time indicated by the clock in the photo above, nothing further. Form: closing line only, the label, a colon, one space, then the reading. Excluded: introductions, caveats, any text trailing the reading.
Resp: 4:14
